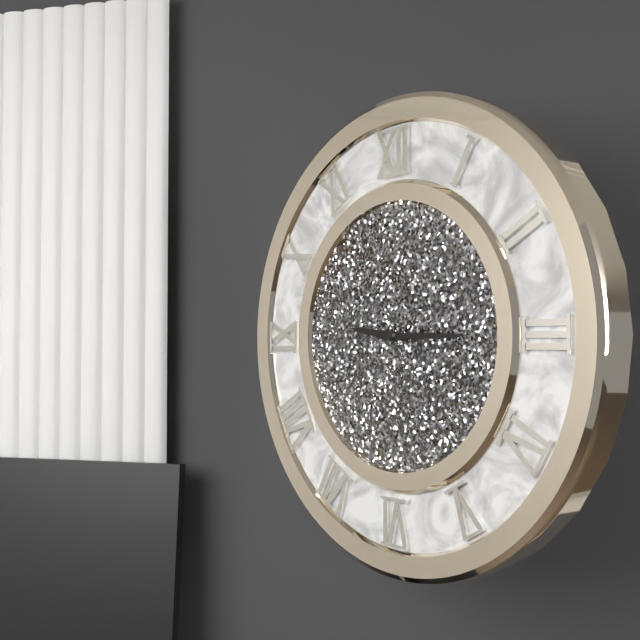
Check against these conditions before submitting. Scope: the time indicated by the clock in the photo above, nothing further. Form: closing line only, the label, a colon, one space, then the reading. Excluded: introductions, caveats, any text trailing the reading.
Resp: 9:15
